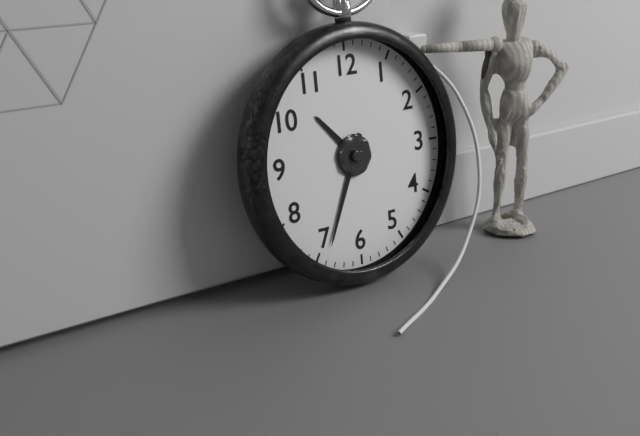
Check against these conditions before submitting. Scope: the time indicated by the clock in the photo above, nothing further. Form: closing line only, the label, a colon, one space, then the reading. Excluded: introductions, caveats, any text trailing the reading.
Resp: 10:34
